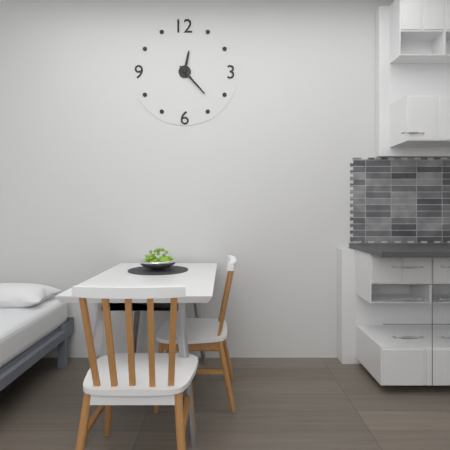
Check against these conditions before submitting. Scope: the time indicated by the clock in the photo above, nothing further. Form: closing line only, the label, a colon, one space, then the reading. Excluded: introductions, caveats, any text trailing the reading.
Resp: 12:23
